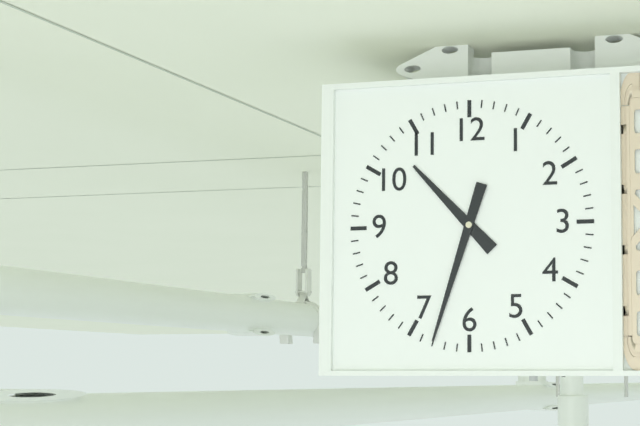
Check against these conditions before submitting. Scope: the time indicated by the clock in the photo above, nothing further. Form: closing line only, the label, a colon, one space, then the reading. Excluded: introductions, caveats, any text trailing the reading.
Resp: 10:33
